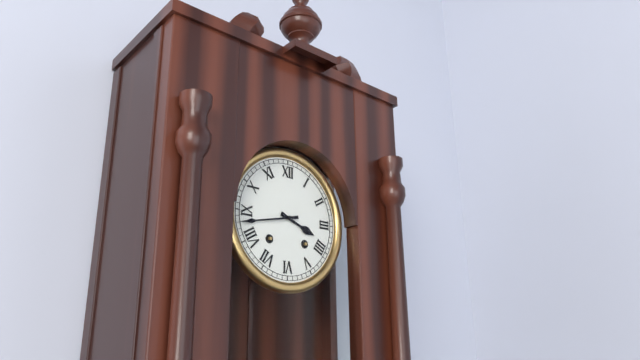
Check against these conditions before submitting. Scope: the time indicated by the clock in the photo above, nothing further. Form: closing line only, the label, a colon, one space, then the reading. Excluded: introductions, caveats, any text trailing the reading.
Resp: 3:43
